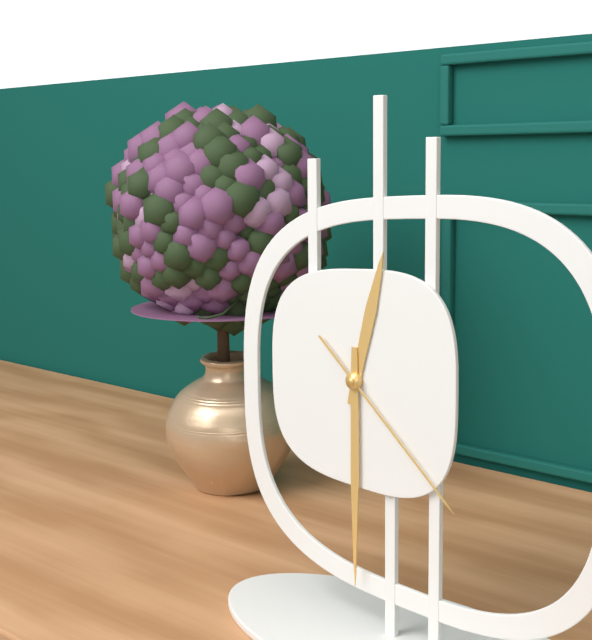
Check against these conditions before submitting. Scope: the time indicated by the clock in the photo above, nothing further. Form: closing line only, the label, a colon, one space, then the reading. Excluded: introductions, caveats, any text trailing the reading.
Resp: 12:30:22
